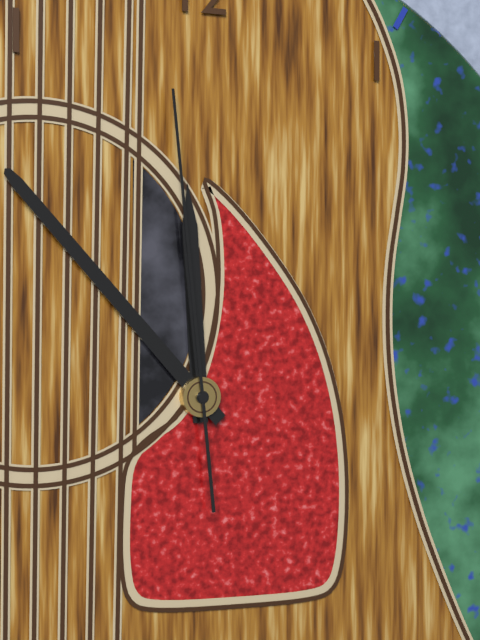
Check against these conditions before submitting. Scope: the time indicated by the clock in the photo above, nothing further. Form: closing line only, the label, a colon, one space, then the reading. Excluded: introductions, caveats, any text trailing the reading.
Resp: 11:53:59
